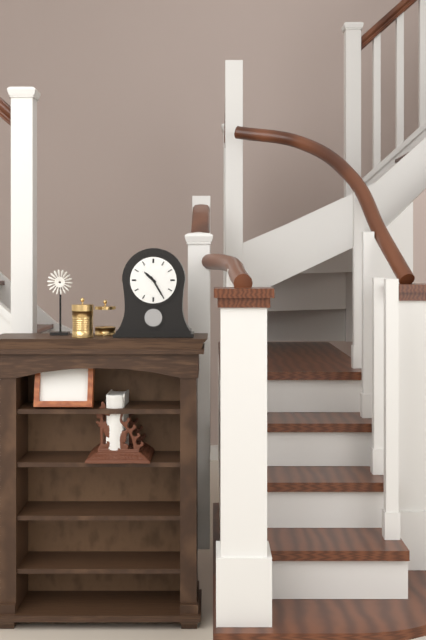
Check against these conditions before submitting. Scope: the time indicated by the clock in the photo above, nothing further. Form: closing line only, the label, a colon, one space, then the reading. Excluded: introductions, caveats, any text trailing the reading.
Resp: 10:25
